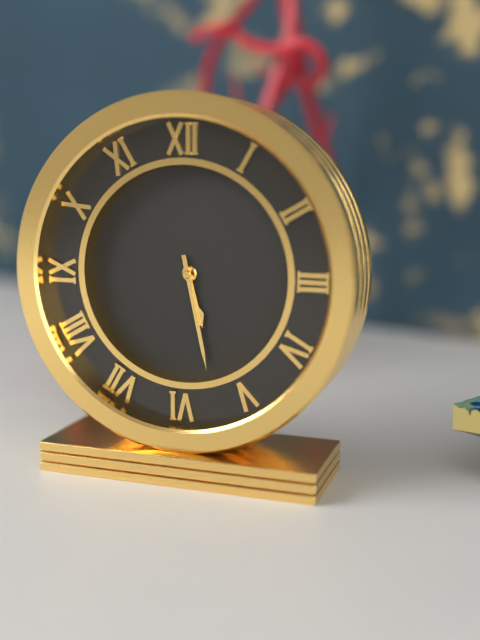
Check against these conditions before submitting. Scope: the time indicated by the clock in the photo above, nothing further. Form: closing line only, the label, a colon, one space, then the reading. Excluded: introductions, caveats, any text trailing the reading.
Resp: 5:28
